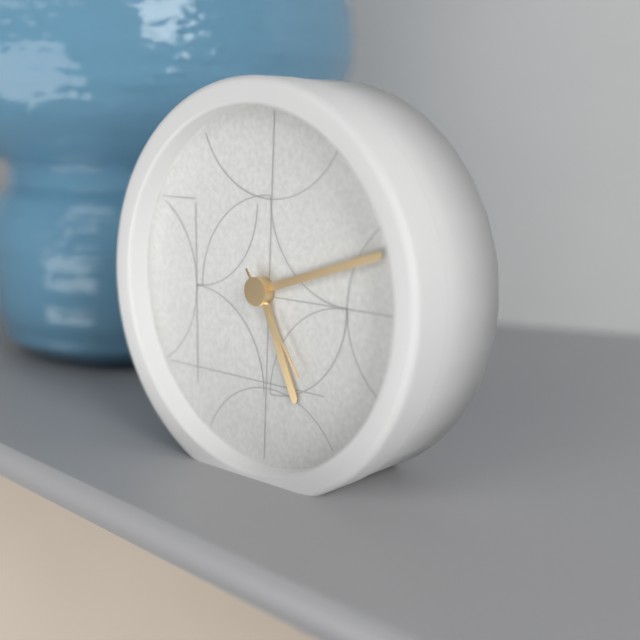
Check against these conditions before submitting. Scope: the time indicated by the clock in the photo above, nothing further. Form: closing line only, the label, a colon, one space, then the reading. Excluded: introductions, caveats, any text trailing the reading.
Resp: 5:12:24
